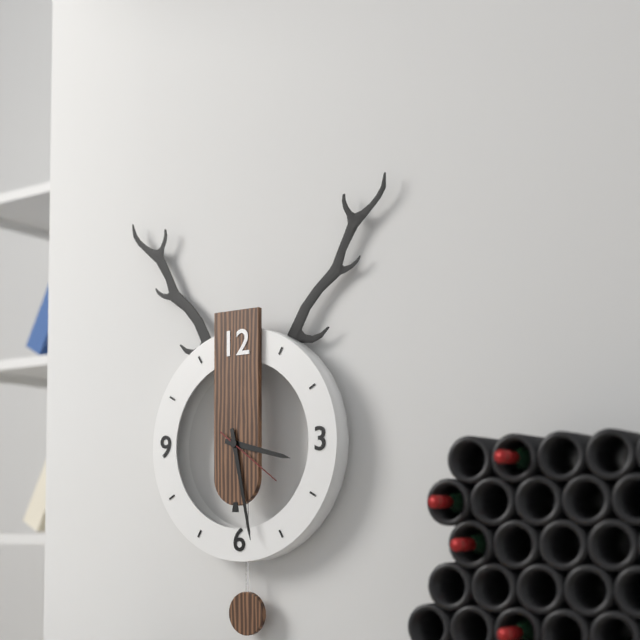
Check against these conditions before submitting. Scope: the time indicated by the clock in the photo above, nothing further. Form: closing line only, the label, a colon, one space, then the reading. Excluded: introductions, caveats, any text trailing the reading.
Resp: 3:28:21
